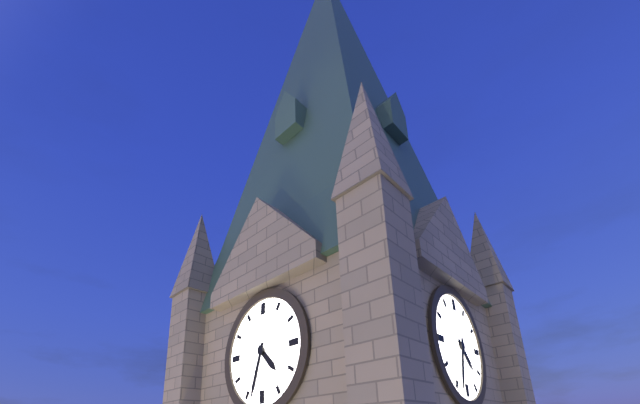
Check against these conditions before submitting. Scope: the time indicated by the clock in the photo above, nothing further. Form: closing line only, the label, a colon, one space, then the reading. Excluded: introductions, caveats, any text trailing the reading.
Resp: 4:33
